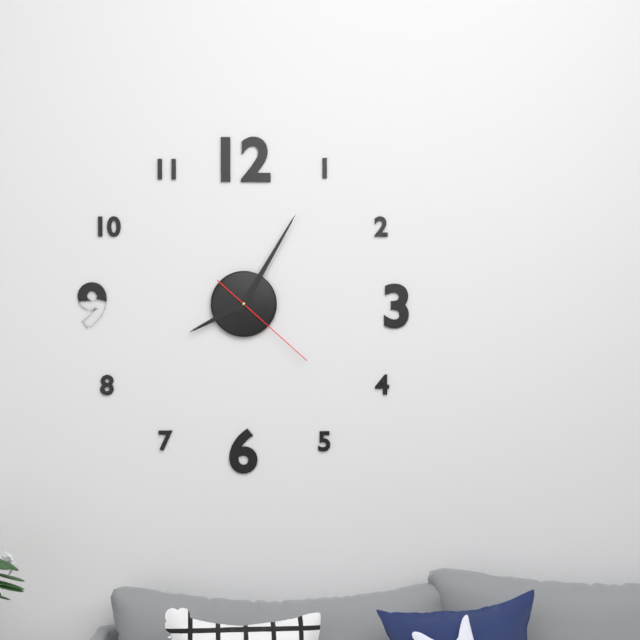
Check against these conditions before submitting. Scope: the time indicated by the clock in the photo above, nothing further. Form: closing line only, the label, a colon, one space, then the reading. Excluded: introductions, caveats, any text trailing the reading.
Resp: 8:05:22
